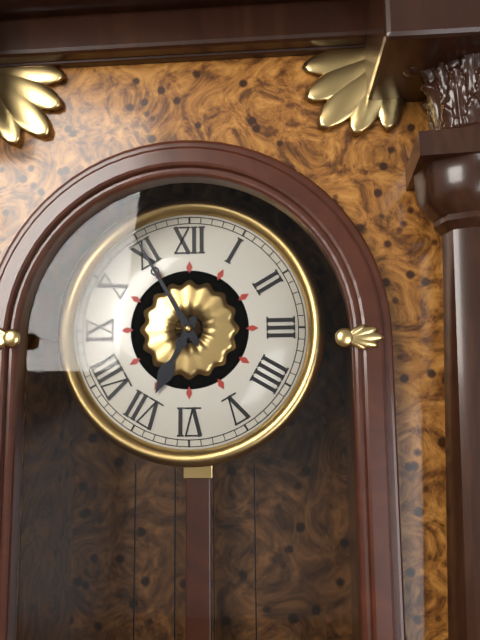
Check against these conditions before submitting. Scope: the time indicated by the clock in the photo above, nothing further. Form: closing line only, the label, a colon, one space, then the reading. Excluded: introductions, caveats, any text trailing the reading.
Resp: 6:55
